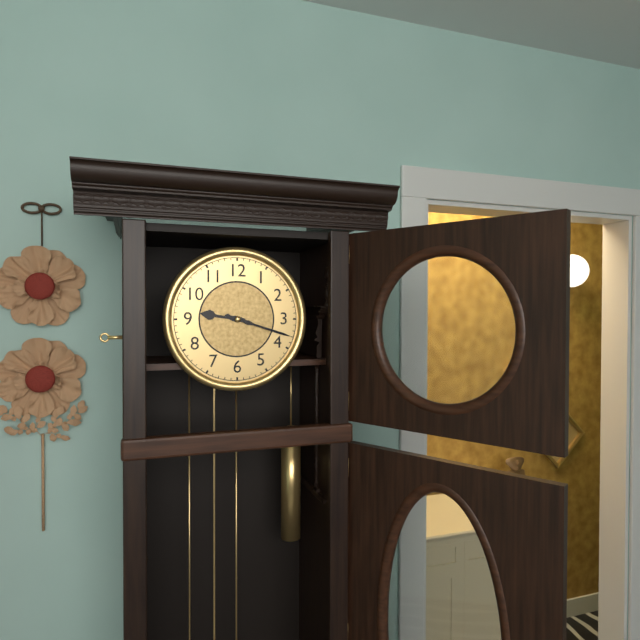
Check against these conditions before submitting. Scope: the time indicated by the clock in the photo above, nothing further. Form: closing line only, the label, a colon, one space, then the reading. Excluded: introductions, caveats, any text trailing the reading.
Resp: 9:18
